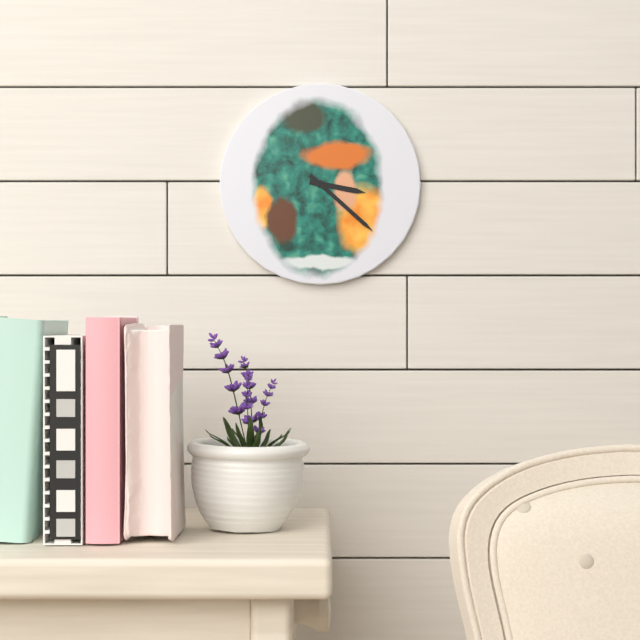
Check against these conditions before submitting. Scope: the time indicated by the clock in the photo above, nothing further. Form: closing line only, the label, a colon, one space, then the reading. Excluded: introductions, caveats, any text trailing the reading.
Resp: 3:22
